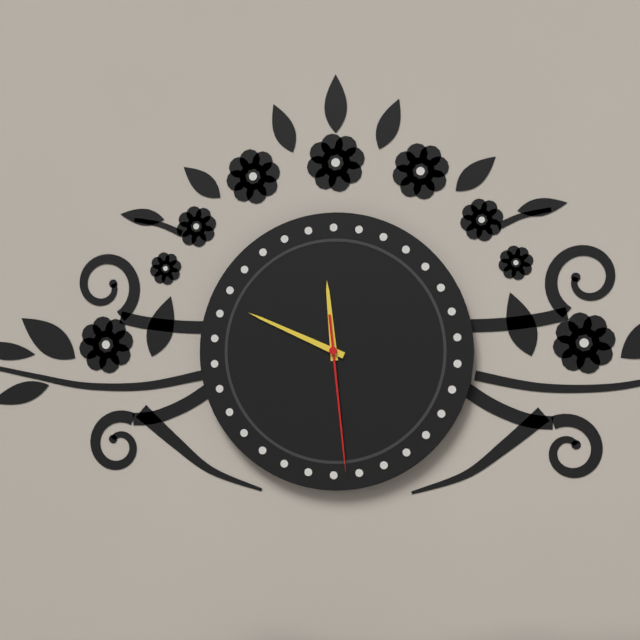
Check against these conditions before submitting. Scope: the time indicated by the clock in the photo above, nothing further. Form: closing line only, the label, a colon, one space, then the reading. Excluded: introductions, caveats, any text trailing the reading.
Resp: 11:49:29
